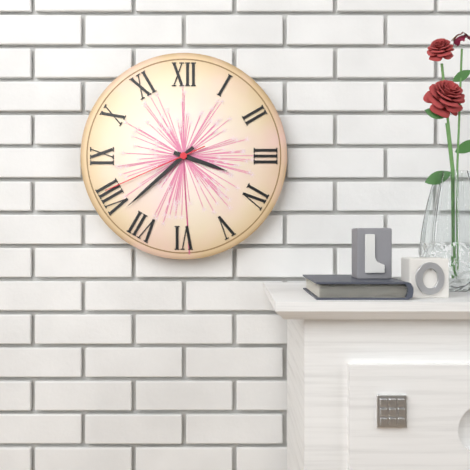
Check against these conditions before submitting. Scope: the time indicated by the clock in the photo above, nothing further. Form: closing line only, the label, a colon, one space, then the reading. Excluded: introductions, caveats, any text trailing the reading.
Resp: 3:38:41
